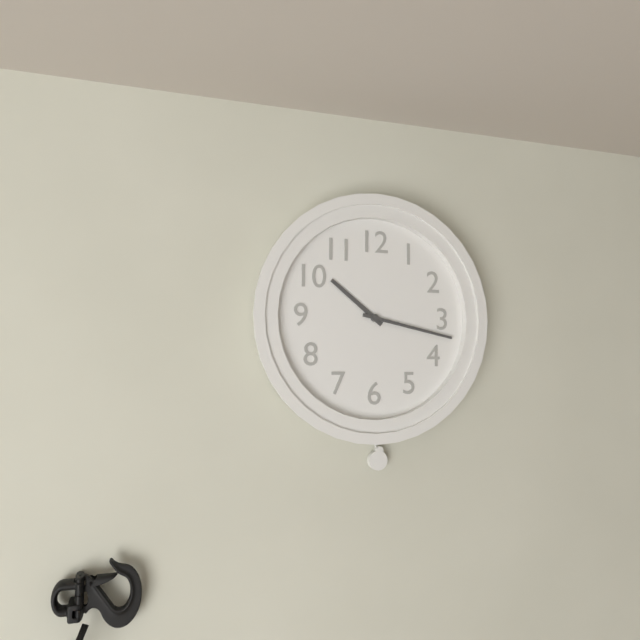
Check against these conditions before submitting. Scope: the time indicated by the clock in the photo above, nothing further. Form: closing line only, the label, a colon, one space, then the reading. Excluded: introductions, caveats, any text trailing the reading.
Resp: 10:17
